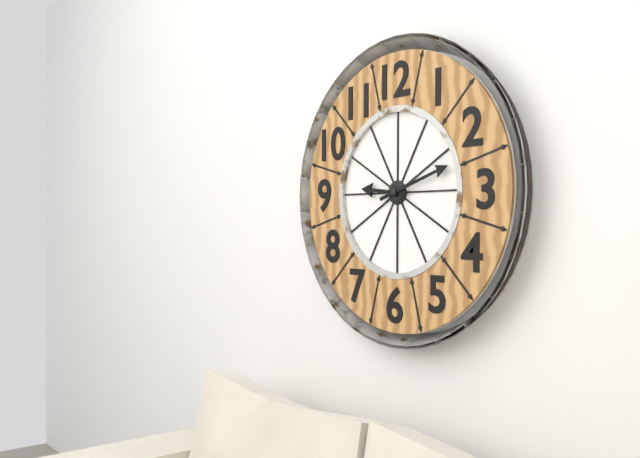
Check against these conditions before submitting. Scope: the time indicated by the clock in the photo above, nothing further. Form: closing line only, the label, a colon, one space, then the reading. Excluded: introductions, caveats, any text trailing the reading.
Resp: 9:12
